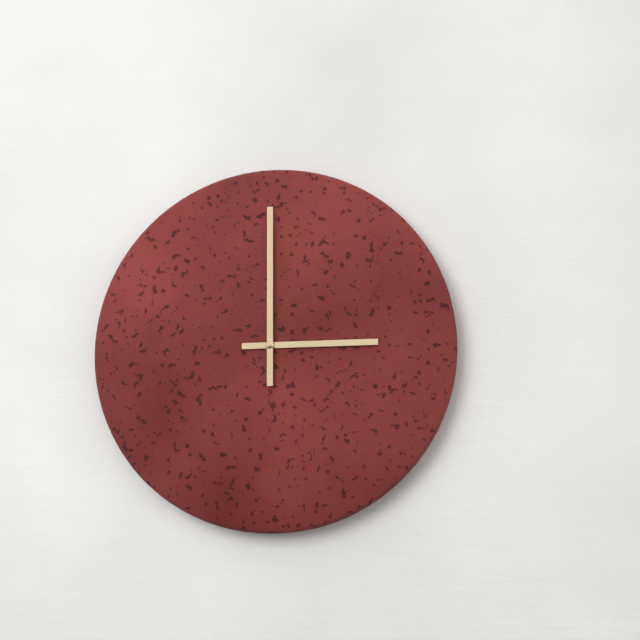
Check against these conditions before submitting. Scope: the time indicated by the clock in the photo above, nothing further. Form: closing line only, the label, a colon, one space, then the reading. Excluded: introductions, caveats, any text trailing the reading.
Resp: 3:00
